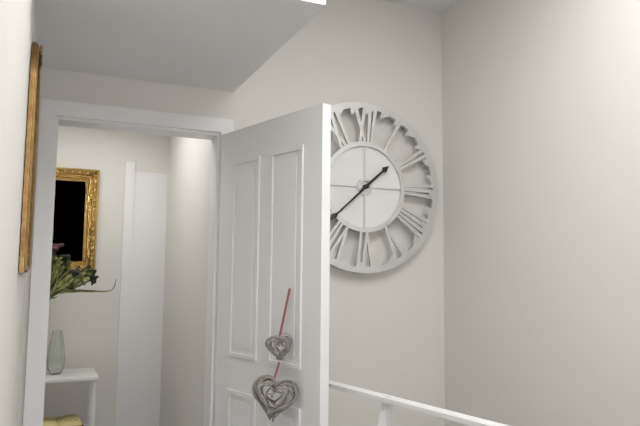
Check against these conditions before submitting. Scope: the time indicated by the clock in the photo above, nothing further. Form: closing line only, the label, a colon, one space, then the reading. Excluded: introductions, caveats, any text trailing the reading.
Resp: 1:38
